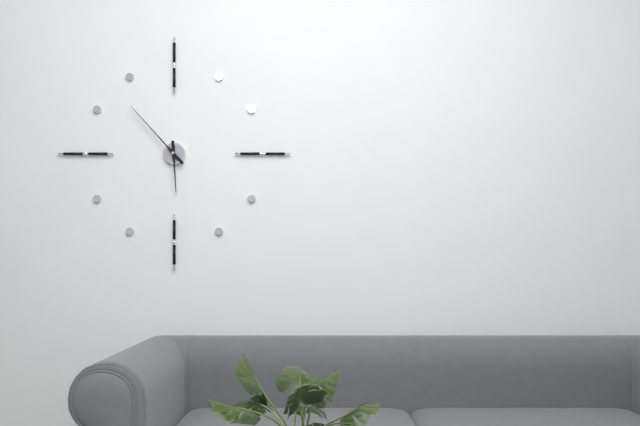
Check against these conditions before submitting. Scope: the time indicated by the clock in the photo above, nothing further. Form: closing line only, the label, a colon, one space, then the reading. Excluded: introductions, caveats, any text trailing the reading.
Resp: 5:53
